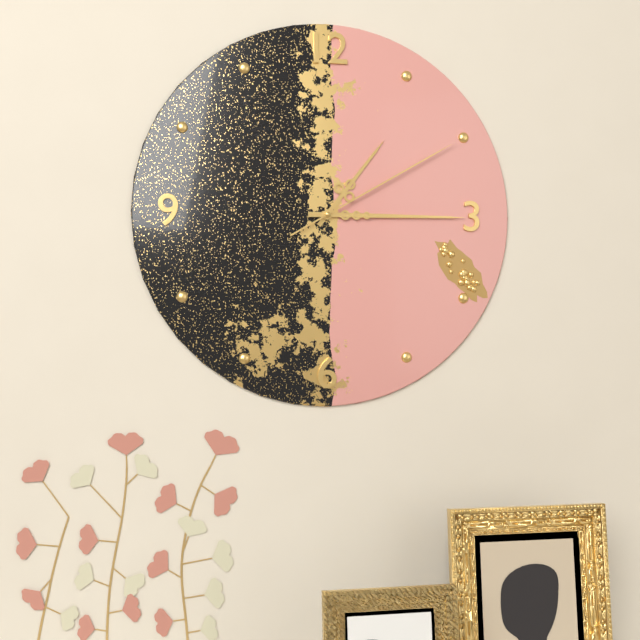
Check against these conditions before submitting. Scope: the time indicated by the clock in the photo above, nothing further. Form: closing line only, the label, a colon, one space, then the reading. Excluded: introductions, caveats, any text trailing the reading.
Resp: 1:15:10
